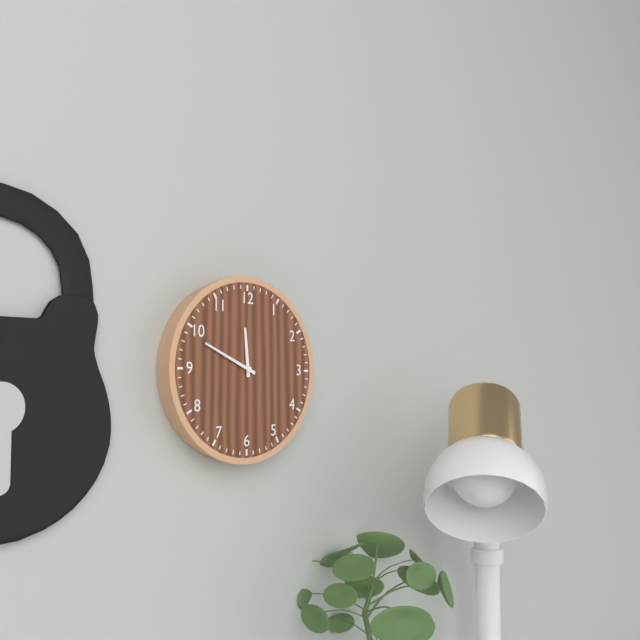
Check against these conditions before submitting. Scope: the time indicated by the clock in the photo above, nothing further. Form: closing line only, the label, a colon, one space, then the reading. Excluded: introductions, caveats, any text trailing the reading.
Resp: 11:49
